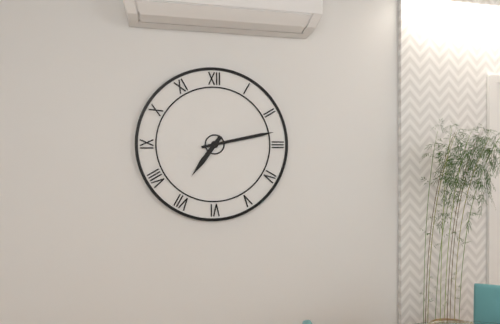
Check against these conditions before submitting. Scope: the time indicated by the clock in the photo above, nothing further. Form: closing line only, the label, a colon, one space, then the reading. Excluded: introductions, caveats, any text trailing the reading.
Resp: 7:13
